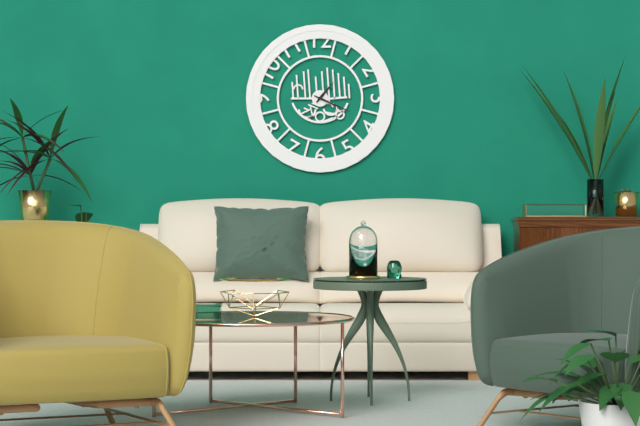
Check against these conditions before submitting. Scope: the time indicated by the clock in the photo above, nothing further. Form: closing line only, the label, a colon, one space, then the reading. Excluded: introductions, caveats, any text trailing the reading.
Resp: 1:19
